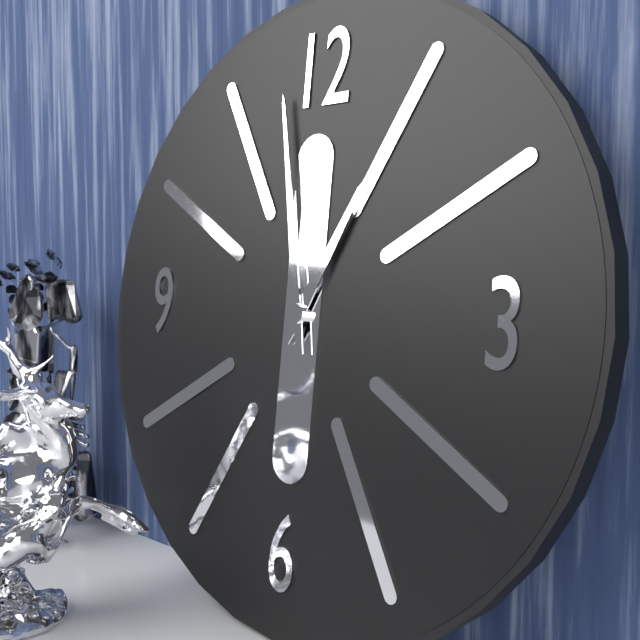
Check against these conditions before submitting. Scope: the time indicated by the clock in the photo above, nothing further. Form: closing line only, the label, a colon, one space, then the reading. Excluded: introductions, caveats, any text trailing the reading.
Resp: 12:58
